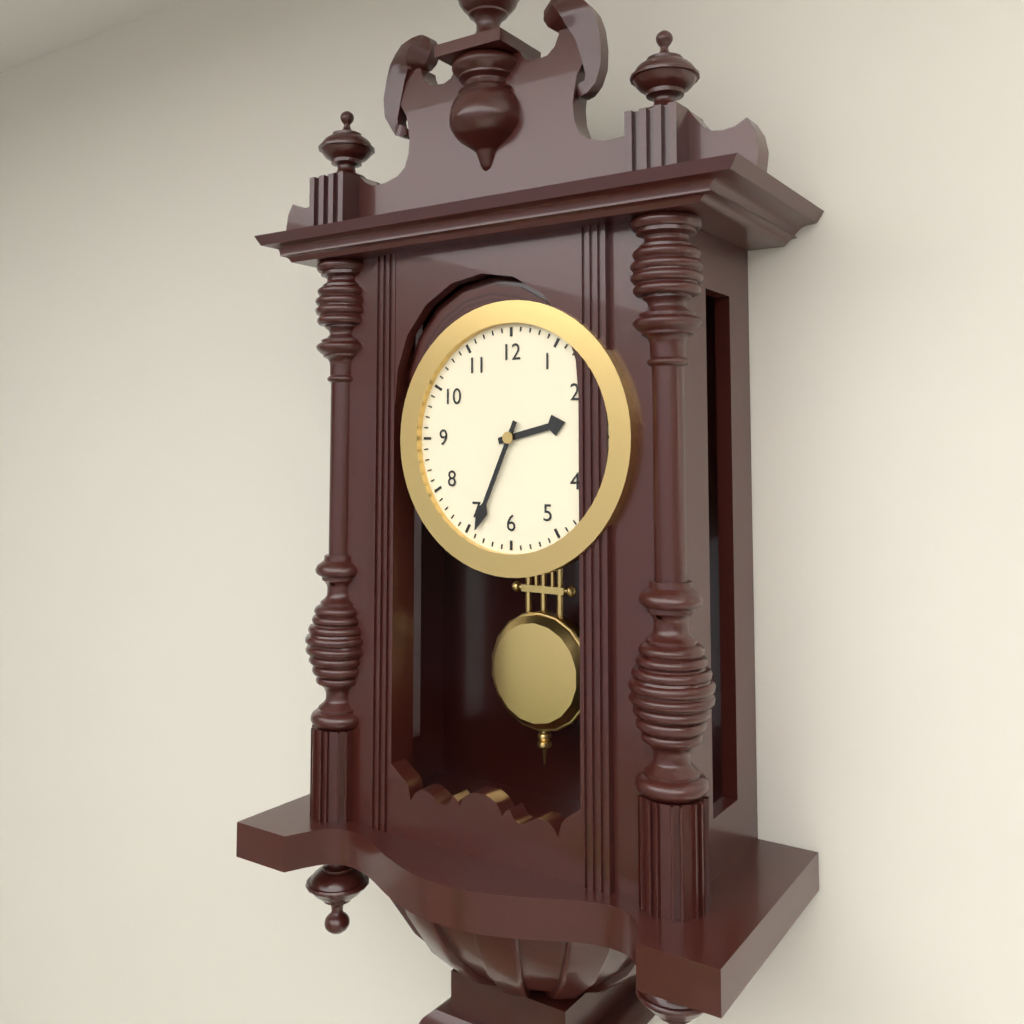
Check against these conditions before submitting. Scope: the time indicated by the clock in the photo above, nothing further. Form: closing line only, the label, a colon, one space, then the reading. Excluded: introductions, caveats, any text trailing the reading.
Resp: 2:34
